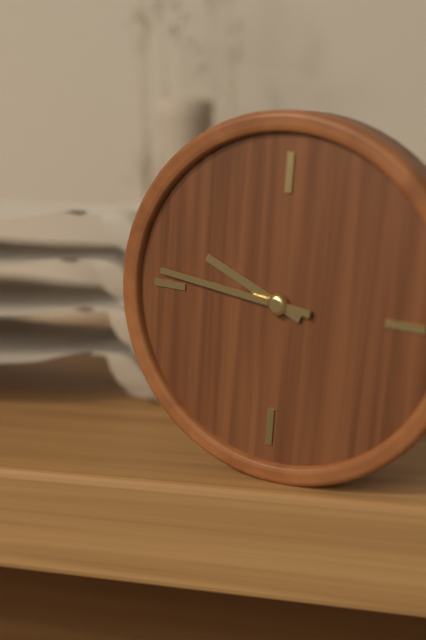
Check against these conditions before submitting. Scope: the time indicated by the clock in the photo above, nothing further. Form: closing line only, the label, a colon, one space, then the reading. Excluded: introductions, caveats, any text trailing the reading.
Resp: 9:46
